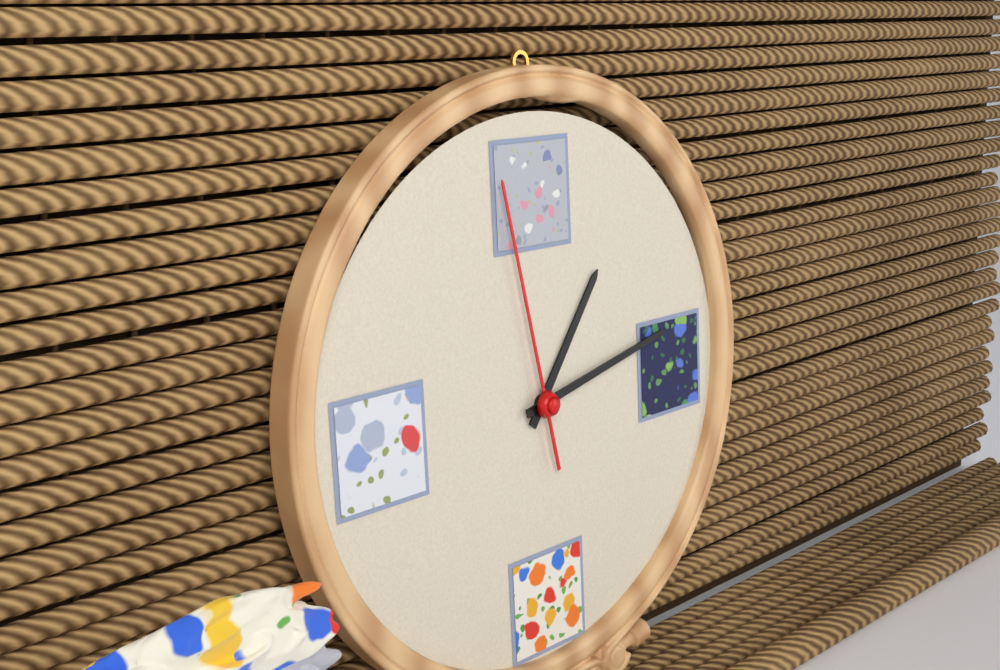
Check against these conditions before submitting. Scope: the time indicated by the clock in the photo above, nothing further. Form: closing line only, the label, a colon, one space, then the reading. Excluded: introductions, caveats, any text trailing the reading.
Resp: 1:13:58
